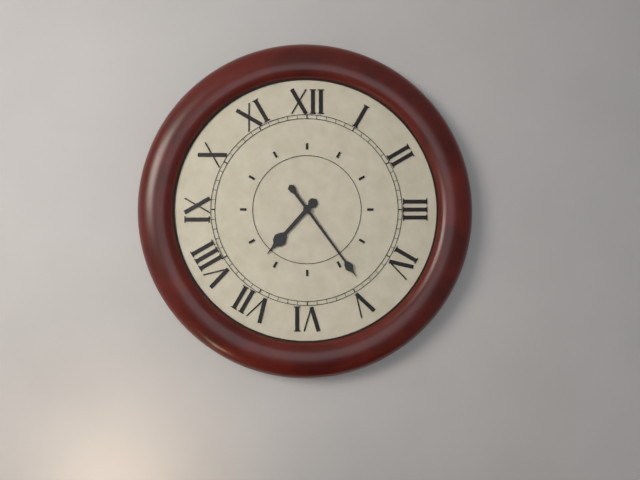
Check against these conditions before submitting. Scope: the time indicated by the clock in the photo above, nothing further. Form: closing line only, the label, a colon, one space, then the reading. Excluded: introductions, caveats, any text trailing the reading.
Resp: 7:24
